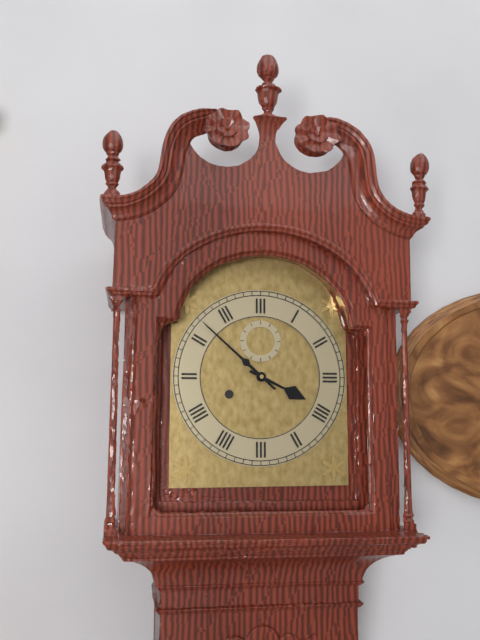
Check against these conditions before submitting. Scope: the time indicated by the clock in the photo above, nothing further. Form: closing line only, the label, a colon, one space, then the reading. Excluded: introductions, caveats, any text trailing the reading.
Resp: 3:52
